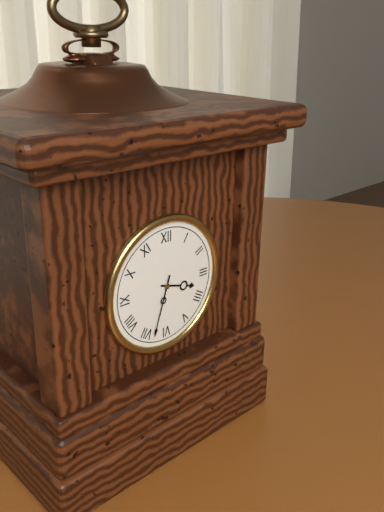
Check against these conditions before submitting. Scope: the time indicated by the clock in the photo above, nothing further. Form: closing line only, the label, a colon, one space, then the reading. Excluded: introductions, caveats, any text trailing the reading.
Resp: 3:33
